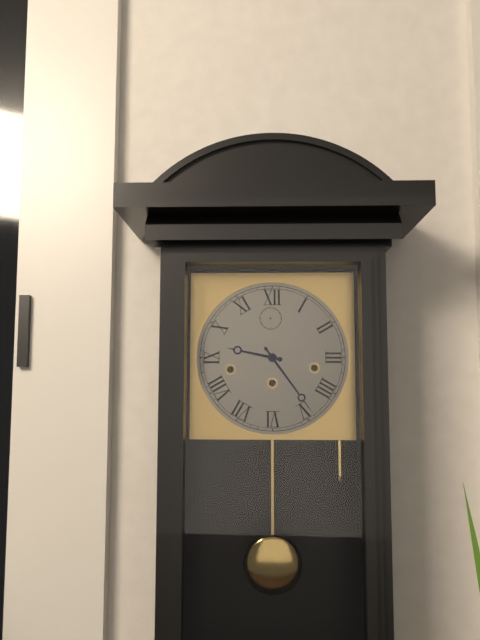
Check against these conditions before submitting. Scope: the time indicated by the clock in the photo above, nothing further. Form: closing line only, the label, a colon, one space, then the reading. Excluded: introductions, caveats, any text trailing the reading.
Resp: 9:24
